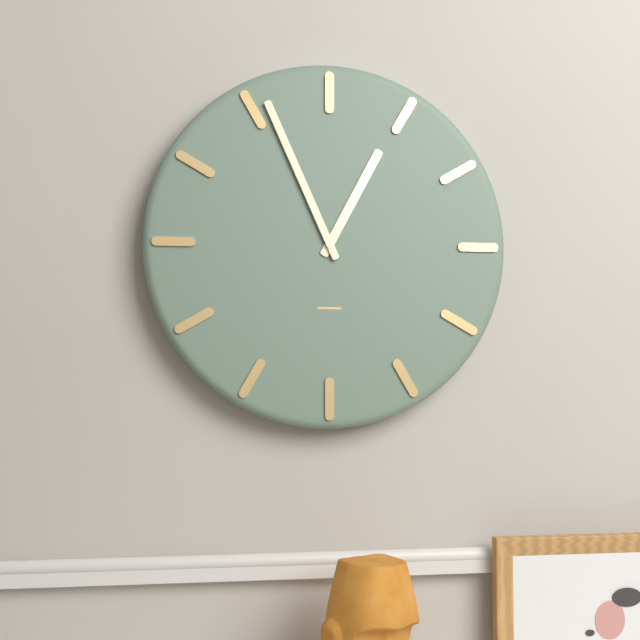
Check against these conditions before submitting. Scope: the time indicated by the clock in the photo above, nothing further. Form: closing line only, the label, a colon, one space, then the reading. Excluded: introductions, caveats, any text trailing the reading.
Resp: 12:56
